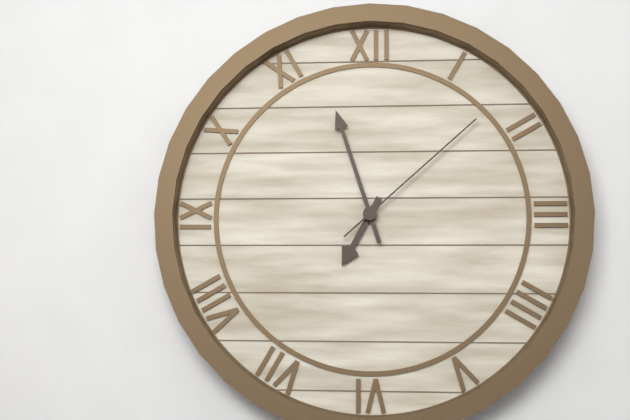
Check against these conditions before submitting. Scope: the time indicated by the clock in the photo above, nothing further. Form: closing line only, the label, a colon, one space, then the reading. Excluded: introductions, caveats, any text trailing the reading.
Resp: 6:57:08
